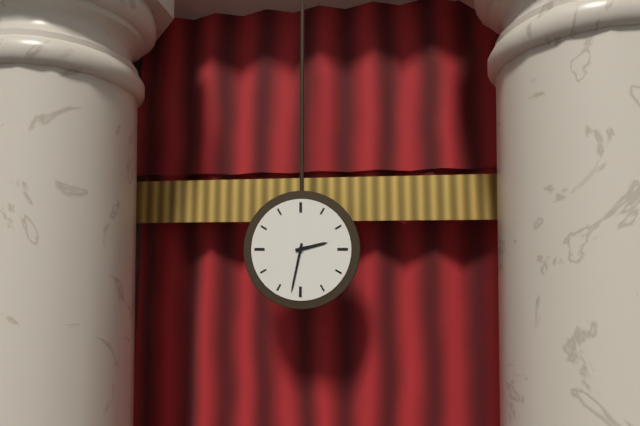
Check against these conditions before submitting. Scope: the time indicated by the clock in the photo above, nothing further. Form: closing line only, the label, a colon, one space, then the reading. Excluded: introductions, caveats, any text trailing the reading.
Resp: 2:32
